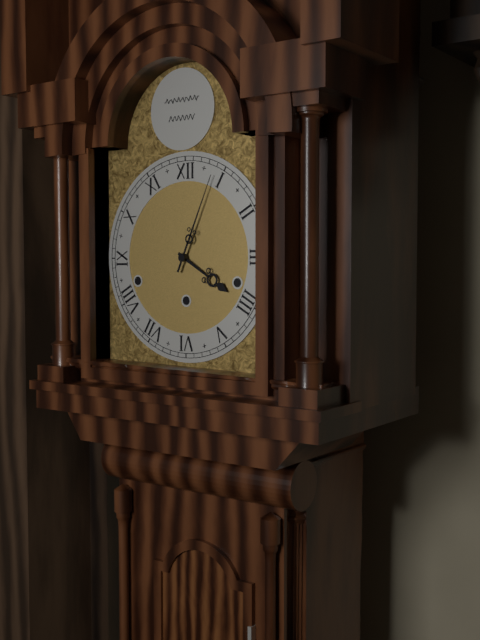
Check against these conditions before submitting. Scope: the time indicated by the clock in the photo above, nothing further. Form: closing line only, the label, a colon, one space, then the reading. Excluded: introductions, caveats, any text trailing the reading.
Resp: 4:04
